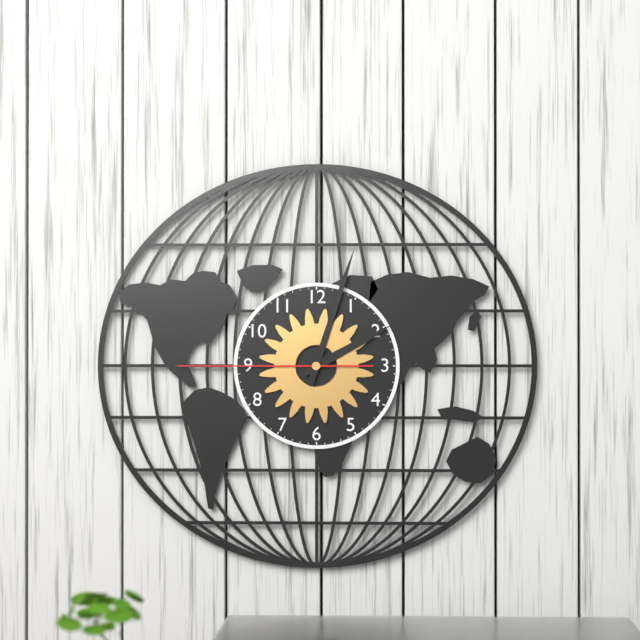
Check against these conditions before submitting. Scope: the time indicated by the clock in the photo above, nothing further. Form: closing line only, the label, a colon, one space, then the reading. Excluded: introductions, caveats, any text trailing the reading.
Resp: 2:03:45
